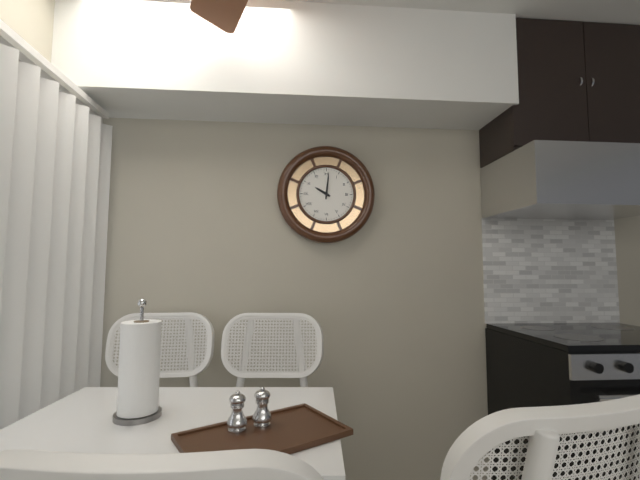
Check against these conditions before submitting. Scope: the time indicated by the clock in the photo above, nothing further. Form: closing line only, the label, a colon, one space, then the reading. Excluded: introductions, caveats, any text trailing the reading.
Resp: 10:01
